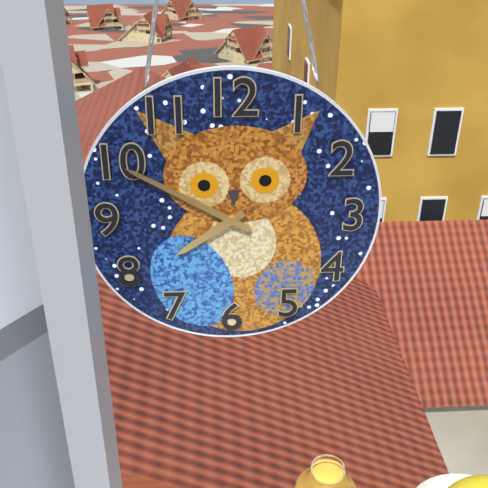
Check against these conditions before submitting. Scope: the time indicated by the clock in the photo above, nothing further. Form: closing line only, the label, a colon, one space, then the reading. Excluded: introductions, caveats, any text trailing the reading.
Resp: 7:50
